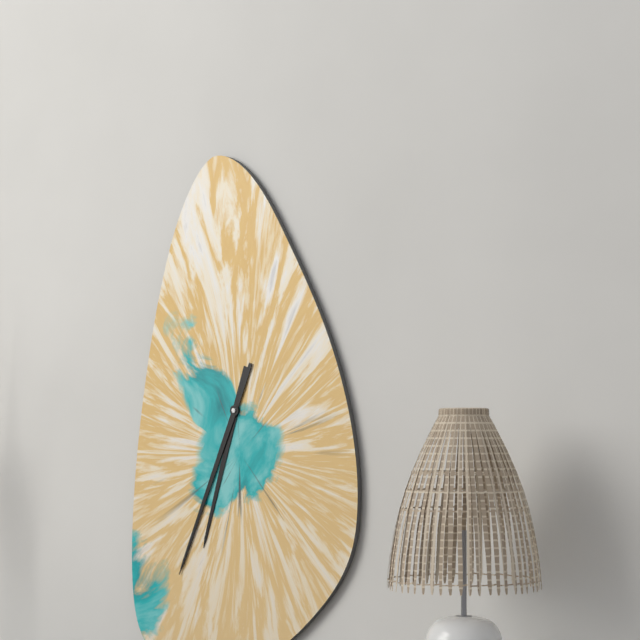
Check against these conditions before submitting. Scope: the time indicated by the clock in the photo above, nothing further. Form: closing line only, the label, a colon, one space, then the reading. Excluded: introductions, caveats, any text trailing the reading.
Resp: 6:34
